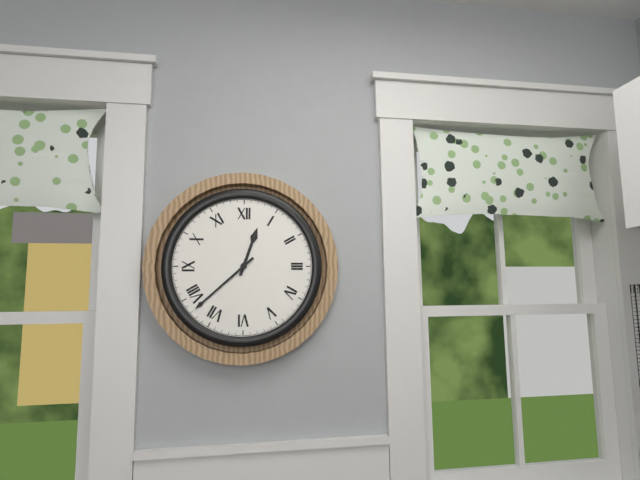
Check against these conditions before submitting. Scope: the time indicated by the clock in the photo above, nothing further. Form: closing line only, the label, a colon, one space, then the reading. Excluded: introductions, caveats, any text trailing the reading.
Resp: 12:38
